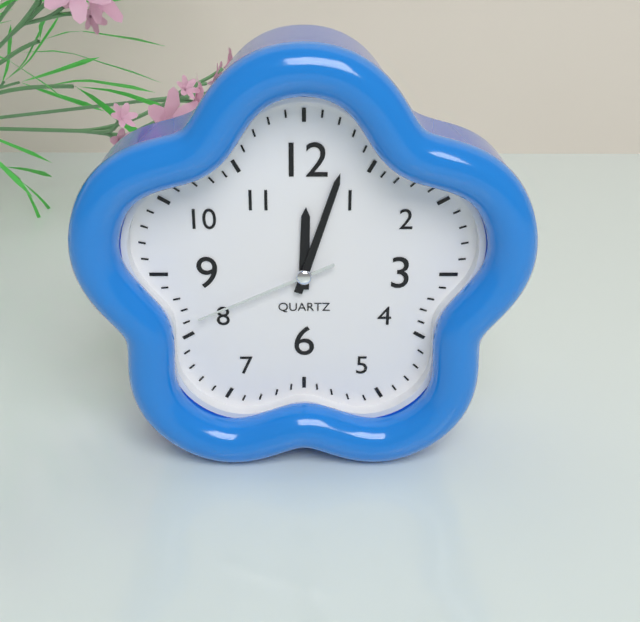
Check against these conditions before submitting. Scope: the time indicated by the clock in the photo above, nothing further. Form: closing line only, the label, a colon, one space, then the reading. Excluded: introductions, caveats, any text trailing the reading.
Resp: 12:03:41
